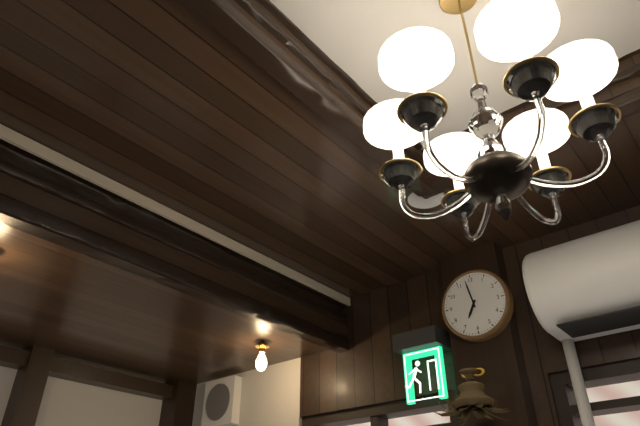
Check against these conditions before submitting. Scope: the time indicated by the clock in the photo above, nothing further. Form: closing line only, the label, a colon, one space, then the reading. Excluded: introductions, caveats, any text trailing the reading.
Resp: 6:58
